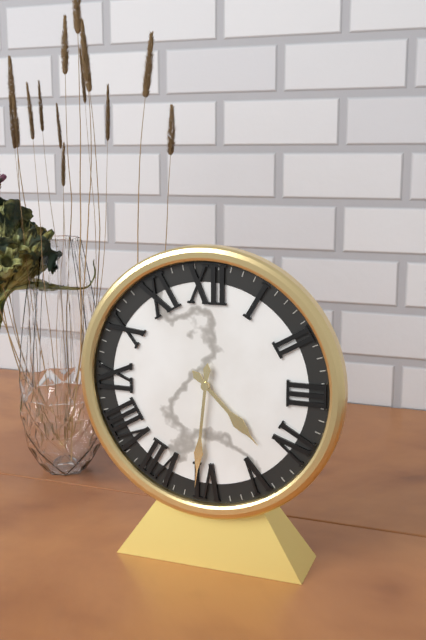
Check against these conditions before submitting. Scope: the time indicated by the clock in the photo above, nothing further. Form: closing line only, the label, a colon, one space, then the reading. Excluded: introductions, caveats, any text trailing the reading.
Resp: 4:31
